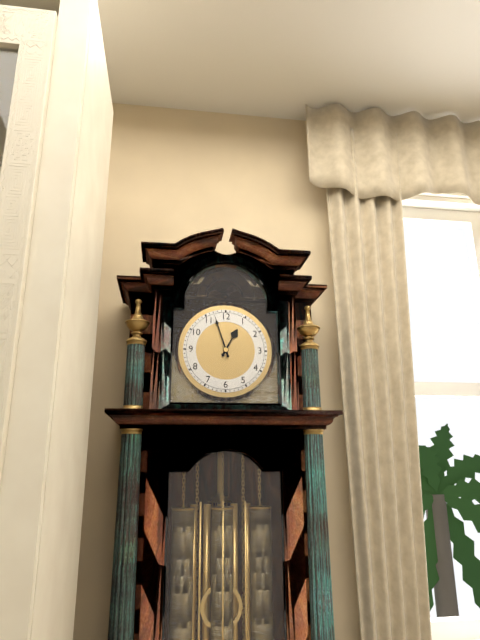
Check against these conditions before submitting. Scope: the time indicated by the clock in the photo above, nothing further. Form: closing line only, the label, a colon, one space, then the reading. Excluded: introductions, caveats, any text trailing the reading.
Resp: 12:57
